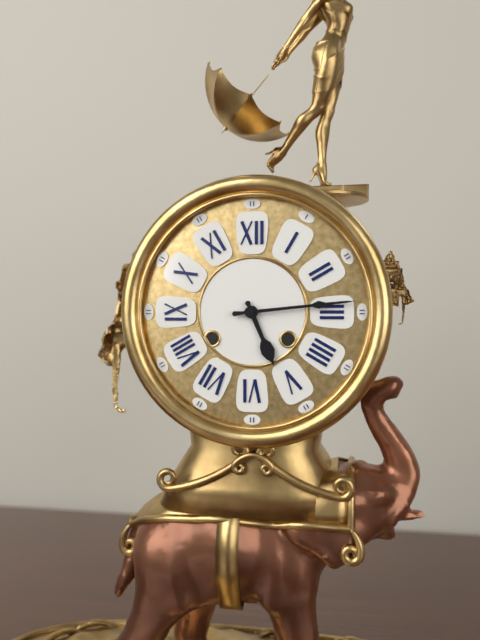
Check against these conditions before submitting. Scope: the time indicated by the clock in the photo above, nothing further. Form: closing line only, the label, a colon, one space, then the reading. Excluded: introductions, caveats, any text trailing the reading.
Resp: 5:14
